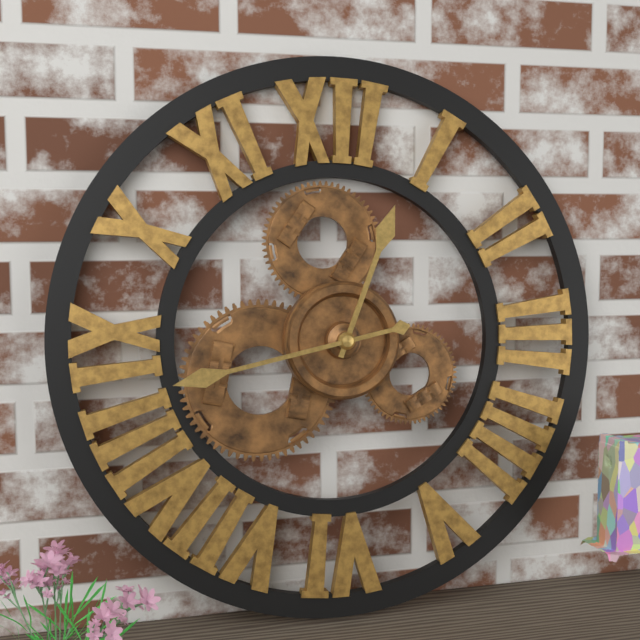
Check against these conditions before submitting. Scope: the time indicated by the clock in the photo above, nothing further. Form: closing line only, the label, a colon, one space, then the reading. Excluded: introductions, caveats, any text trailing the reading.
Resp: 12:43
